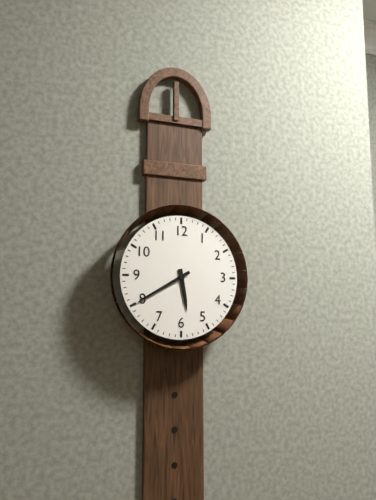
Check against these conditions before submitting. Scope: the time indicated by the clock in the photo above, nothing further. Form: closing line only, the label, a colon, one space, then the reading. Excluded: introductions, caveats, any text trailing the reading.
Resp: 5:40
